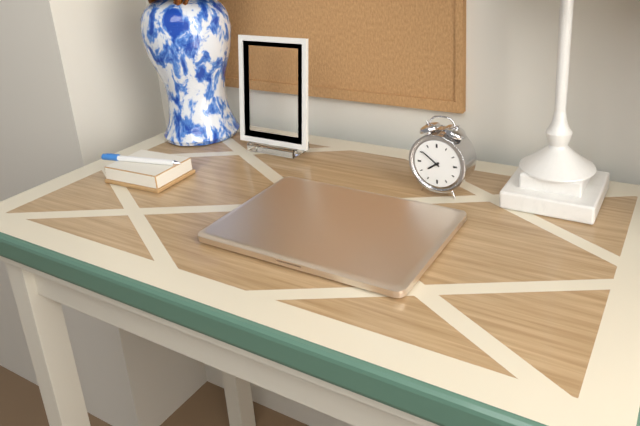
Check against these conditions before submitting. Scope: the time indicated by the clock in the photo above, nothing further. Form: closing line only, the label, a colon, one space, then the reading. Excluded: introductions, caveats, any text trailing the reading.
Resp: 7:51
